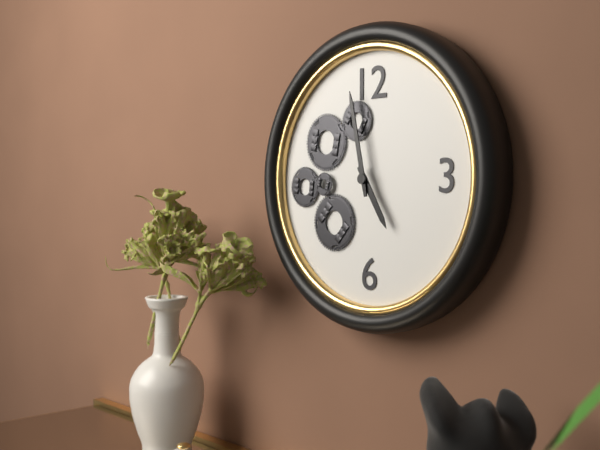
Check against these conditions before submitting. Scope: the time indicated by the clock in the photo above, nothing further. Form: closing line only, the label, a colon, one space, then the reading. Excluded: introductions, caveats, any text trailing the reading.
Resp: 4:58
